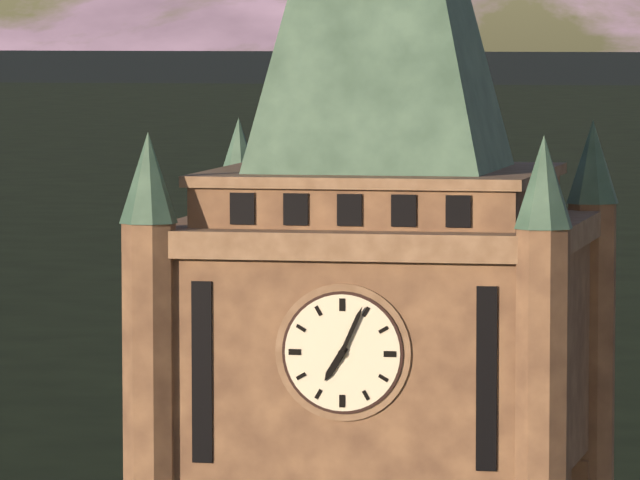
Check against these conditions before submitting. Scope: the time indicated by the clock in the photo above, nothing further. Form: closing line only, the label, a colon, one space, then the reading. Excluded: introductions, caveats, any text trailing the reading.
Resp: 7:04
